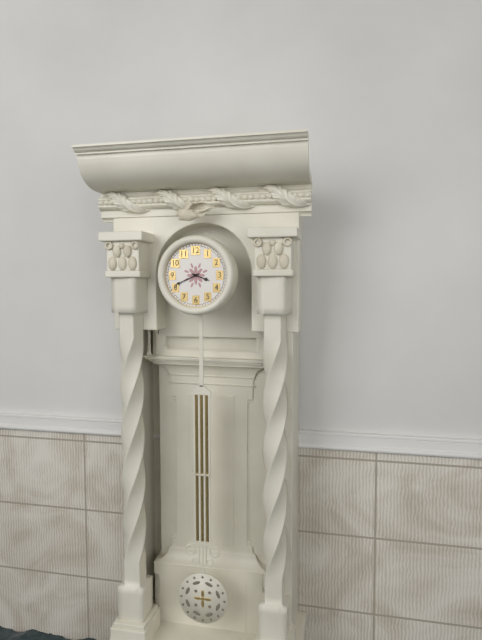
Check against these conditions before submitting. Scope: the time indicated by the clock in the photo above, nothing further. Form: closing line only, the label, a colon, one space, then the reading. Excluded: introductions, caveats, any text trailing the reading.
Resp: 3:41
